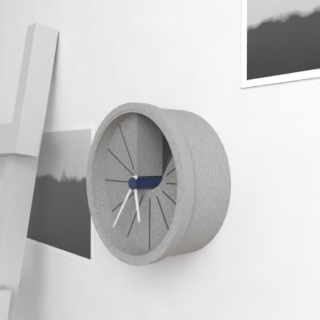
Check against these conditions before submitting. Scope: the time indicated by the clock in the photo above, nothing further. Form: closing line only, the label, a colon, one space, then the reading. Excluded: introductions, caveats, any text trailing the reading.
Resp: 5:36
